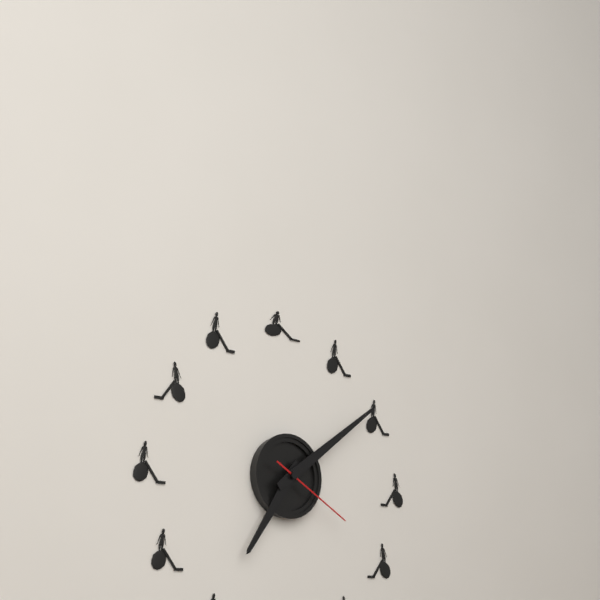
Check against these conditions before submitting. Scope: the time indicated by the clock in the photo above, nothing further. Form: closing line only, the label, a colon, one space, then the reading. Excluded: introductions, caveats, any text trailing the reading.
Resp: 7:09:20
